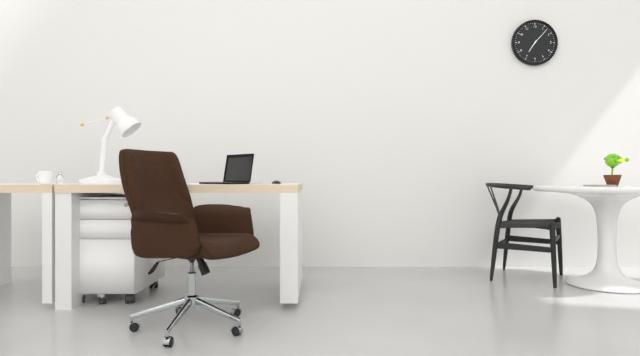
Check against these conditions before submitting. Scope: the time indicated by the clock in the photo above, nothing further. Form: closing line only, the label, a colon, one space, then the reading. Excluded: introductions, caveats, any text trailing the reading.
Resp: 7:07
